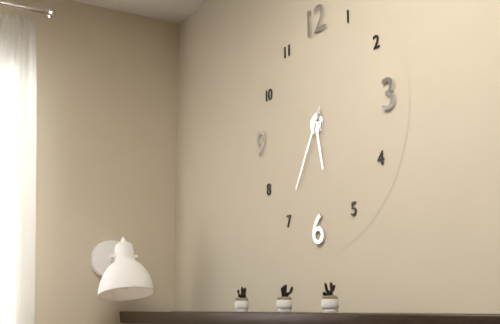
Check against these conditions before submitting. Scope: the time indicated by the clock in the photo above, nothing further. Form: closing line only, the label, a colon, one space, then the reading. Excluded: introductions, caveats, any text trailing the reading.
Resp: 5:35
